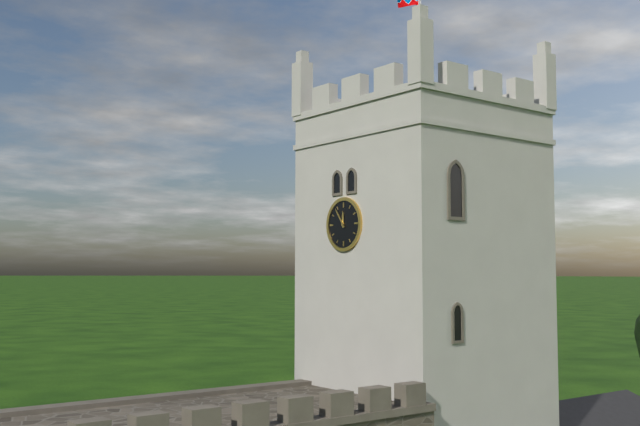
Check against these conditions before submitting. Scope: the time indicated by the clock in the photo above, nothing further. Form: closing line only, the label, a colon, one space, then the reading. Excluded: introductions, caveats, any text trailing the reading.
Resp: 11:54
